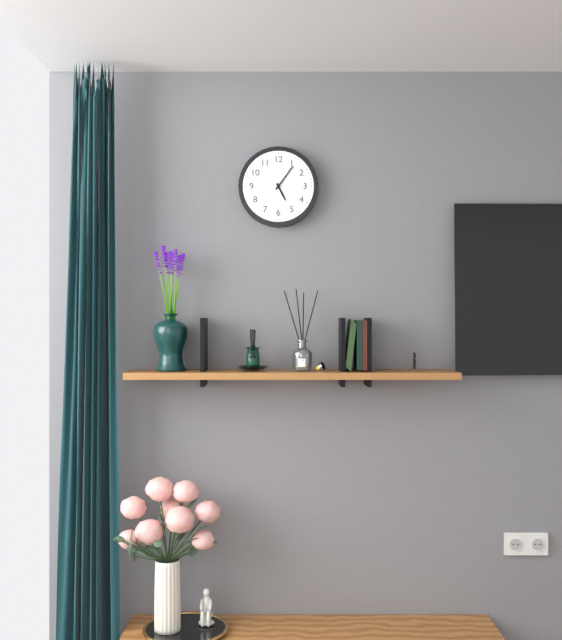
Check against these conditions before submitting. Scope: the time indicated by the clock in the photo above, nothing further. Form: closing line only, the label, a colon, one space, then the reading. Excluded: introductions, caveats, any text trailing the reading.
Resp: 5:06
